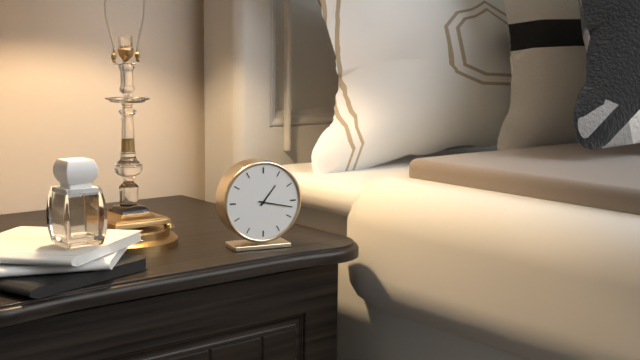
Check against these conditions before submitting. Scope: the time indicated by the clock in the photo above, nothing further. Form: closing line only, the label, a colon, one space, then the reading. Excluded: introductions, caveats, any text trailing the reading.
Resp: 1:17
